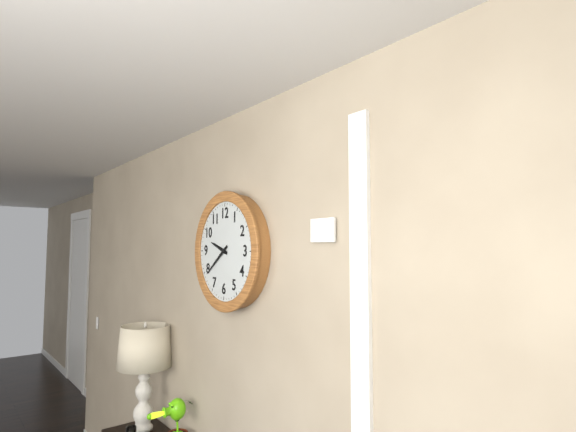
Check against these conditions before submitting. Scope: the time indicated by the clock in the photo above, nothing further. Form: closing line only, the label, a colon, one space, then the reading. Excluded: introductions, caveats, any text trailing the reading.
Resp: 9:39
